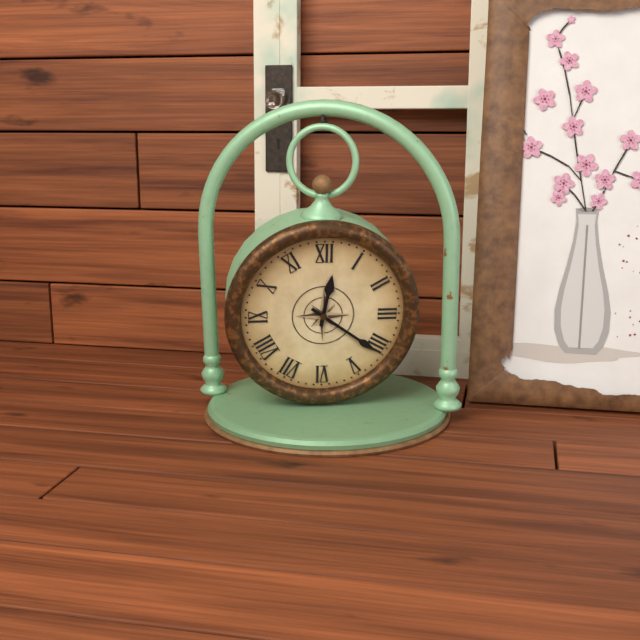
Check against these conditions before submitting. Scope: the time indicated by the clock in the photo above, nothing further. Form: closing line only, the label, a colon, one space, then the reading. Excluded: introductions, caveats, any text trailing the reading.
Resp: 12:21
